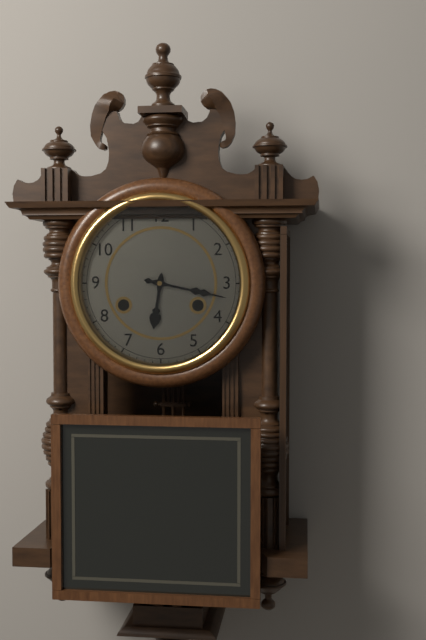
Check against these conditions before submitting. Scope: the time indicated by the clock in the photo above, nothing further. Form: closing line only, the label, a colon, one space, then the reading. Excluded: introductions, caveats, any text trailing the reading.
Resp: 6:17
